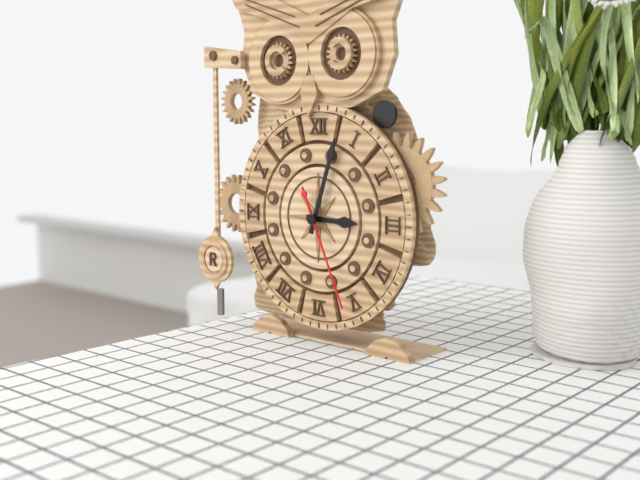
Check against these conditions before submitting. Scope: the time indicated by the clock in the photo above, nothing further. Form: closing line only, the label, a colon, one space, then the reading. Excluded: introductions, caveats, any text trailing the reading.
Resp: 3:03:26
